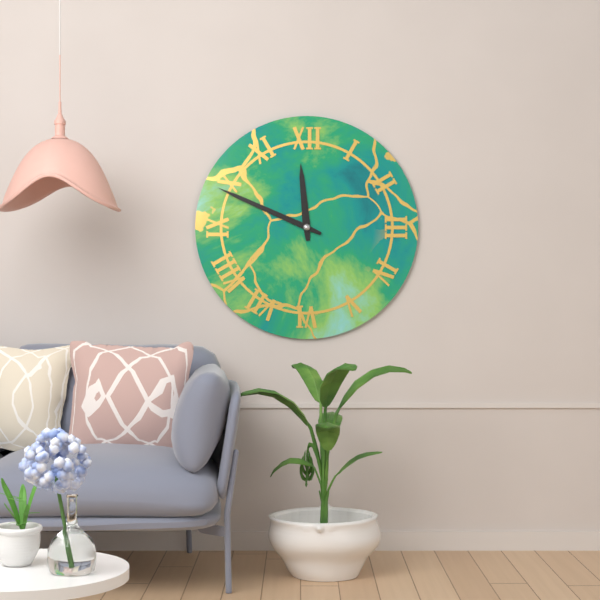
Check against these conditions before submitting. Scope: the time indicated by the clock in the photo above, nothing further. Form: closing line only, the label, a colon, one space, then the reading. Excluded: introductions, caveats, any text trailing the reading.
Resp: 11:49
